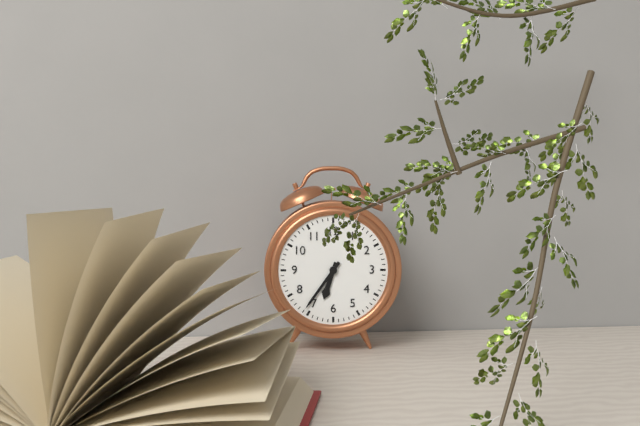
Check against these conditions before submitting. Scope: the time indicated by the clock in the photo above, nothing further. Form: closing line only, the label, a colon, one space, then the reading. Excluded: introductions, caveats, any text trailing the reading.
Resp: 6:36
